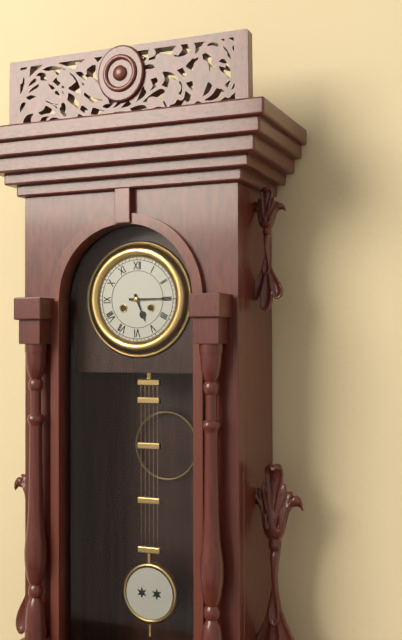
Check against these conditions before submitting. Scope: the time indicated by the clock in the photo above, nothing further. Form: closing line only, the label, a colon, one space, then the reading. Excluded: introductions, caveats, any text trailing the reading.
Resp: 5:15
